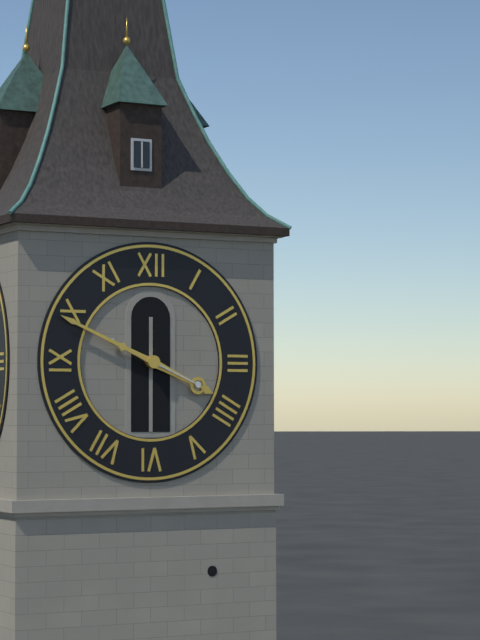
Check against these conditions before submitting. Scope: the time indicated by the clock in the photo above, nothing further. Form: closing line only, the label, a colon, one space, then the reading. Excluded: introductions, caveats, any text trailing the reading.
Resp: 3:49
